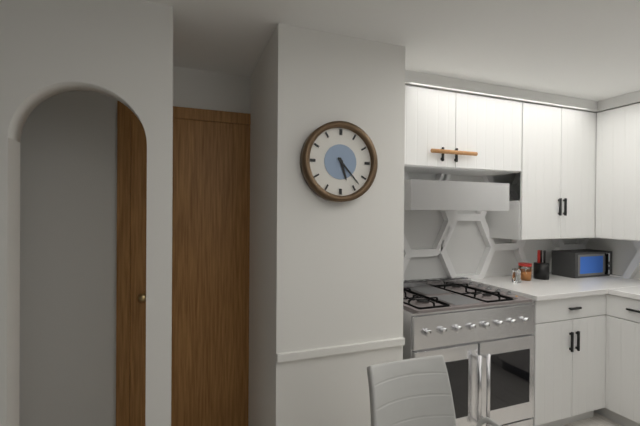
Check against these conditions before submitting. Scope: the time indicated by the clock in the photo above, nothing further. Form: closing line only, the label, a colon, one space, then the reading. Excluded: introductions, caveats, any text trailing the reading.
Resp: 5:23
